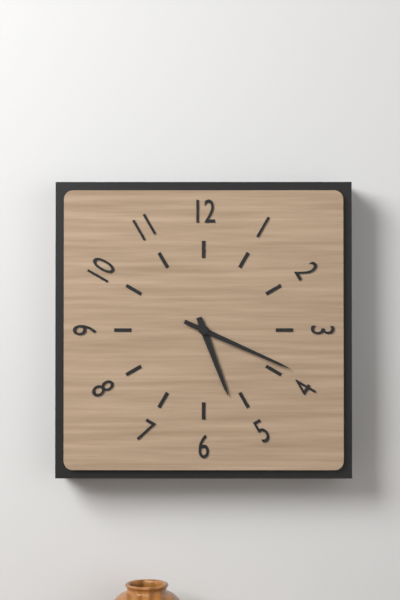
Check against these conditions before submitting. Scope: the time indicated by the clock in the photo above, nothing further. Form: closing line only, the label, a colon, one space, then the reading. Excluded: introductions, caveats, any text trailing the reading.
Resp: 5:19
